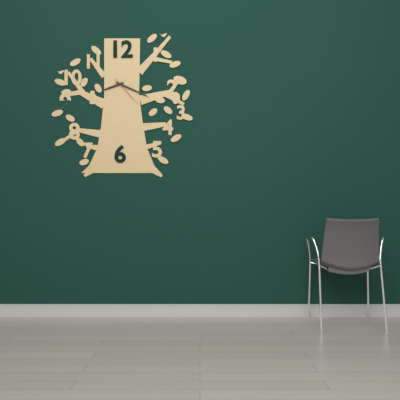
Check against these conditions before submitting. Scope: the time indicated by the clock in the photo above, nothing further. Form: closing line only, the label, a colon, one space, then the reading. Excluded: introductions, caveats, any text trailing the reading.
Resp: 8:19
